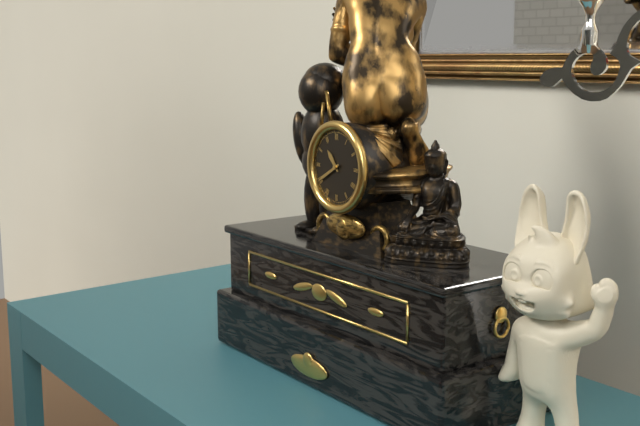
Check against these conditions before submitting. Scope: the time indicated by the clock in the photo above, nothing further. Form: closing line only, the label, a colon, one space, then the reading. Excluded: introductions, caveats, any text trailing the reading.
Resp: 10:40
